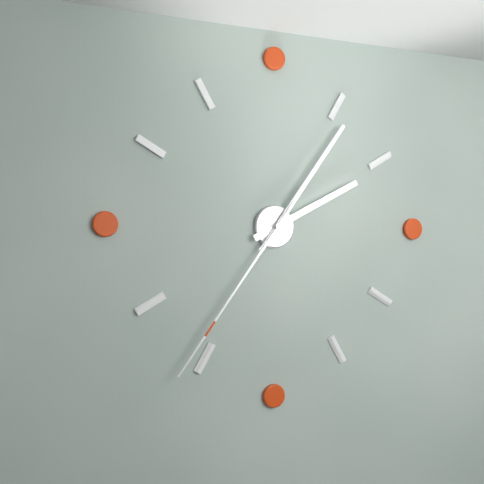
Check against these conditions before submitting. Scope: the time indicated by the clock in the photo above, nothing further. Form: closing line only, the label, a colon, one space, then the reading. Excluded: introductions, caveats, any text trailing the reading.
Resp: 2:06:36
